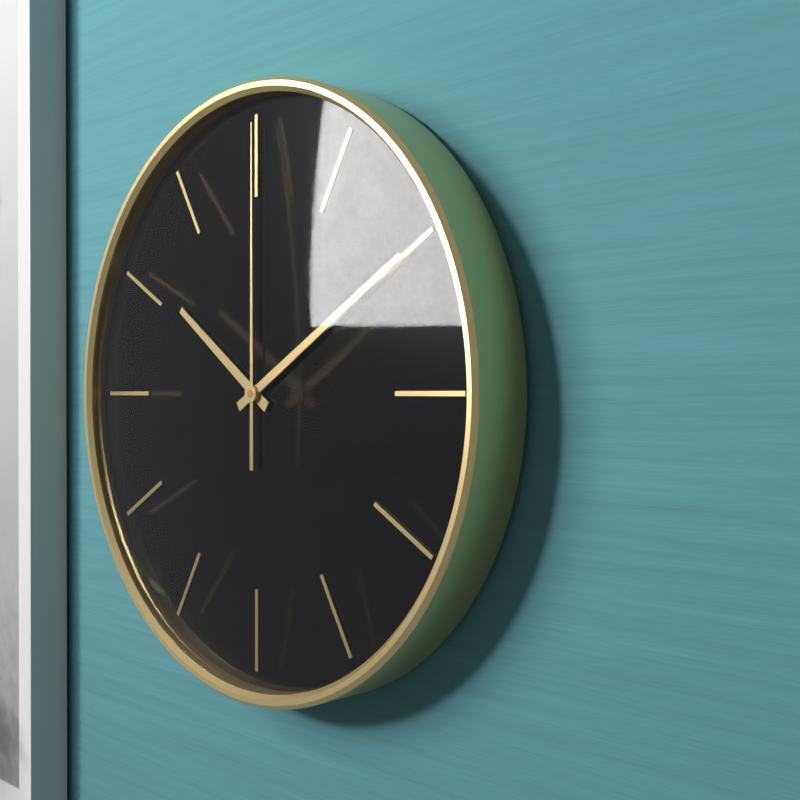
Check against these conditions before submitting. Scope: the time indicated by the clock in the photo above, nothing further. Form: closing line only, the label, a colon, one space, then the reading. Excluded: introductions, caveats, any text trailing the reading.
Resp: 10:10:00
